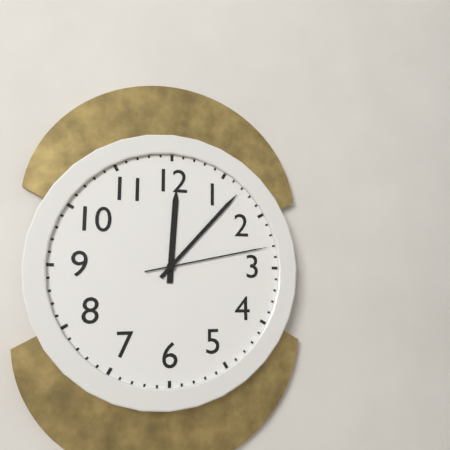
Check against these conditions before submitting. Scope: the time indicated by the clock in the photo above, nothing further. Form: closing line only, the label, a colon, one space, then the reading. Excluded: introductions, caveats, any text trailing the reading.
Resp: 12:07:13
